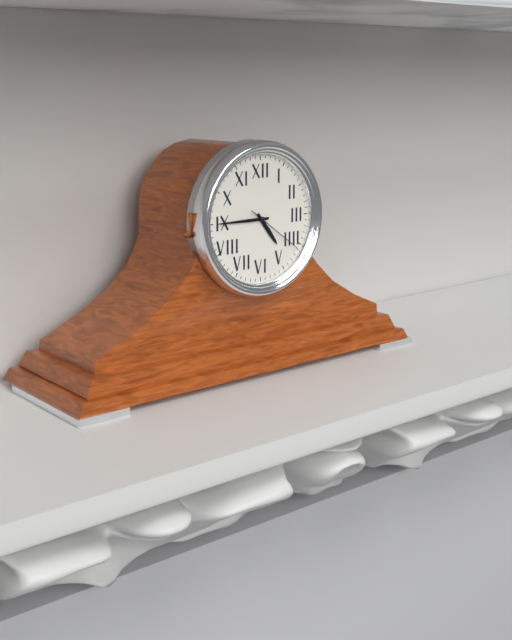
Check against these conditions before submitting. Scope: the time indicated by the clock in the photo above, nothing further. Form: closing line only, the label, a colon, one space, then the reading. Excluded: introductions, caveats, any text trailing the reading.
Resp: 4:45:21
